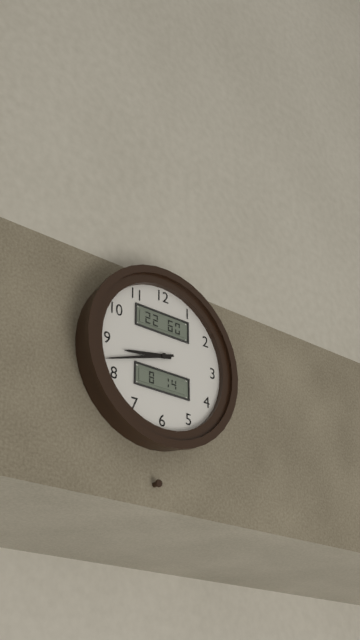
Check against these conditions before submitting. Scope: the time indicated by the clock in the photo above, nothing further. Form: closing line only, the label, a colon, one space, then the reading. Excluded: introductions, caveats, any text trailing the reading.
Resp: 8:42
